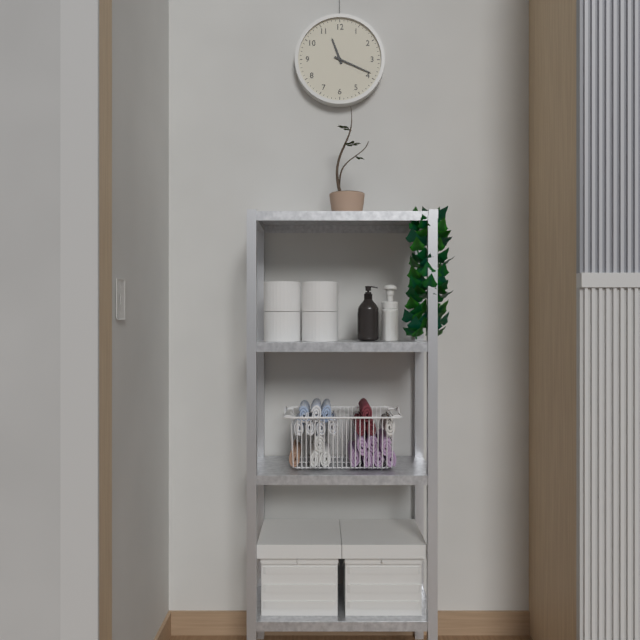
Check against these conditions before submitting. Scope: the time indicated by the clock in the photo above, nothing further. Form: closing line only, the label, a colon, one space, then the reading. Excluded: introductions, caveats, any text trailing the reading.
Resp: 11:19
